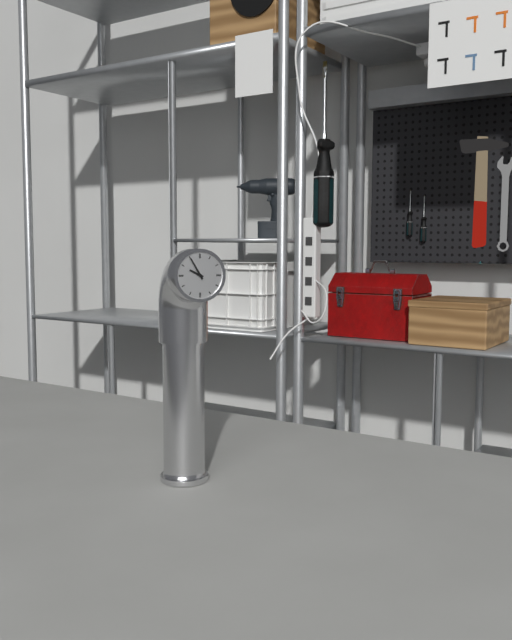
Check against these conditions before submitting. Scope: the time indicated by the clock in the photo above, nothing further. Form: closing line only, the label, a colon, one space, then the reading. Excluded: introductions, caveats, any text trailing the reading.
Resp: 9:55
